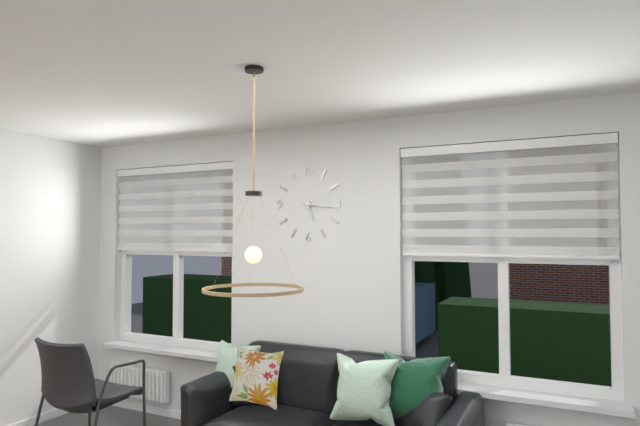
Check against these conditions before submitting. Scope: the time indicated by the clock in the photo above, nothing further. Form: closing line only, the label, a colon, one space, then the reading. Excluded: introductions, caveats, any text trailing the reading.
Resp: 5:16
